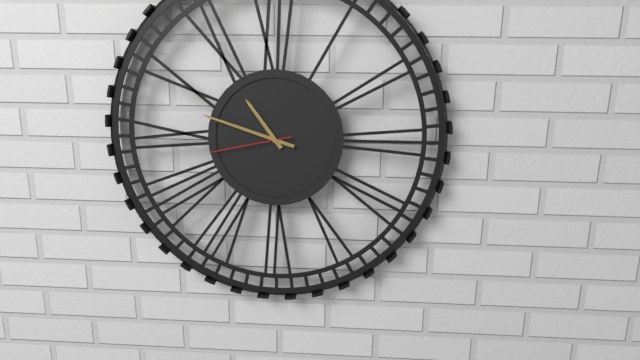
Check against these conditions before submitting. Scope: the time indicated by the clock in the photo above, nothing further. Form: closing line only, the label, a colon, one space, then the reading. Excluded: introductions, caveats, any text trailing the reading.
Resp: 10:48:43
